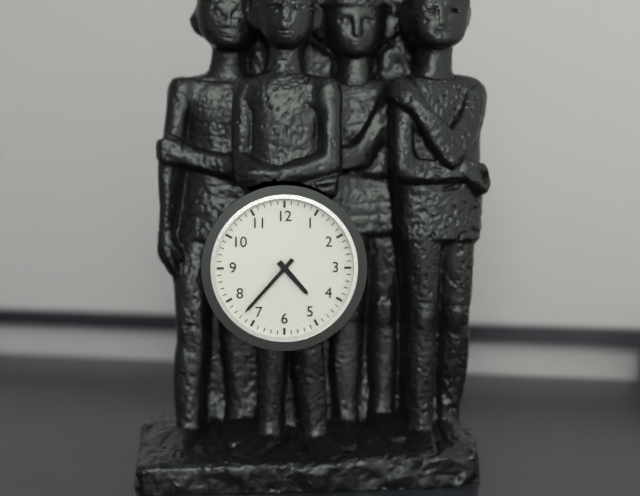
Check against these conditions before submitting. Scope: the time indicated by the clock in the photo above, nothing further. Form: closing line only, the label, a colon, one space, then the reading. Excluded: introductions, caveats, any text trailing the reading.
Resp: 4:37
